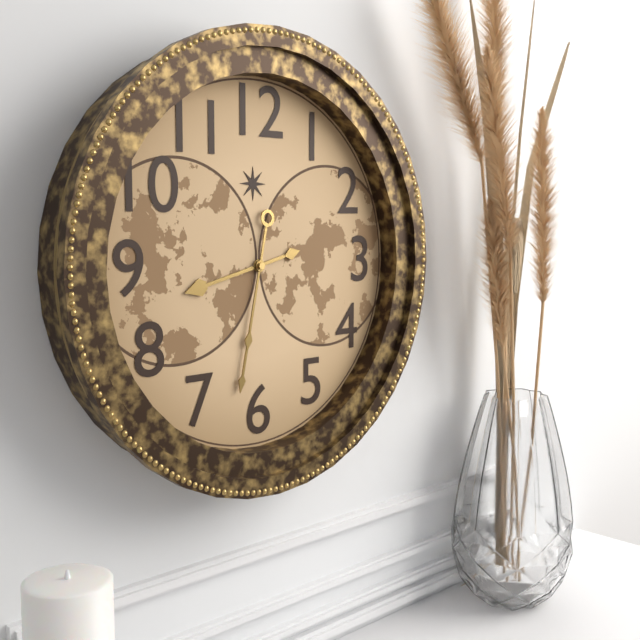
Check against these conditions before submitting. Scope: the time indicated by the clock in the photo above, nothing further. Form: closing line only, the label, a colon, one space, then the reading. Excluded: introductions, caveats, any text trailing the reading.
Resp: 8:32
